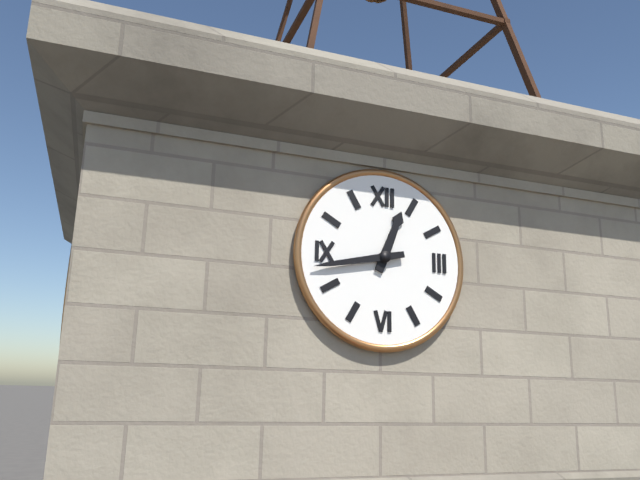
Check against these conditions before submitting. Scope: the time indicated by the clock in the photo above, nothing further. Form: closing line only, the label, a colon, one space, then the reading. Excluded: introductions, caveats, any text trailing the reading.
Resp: 12:43
